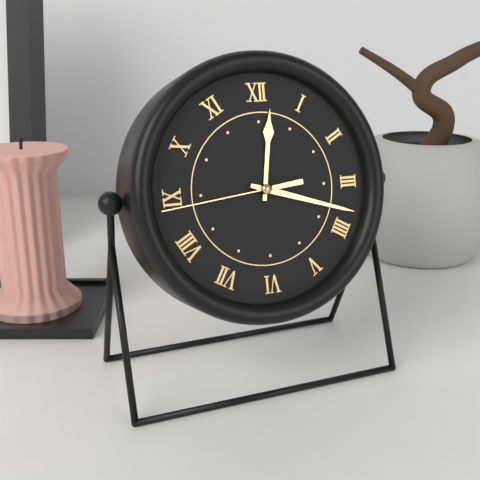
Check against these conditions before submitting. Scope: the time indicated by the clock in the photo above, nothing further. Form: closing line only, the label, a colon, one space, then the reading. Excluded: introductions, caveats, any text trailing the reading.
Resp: 12:18:44
